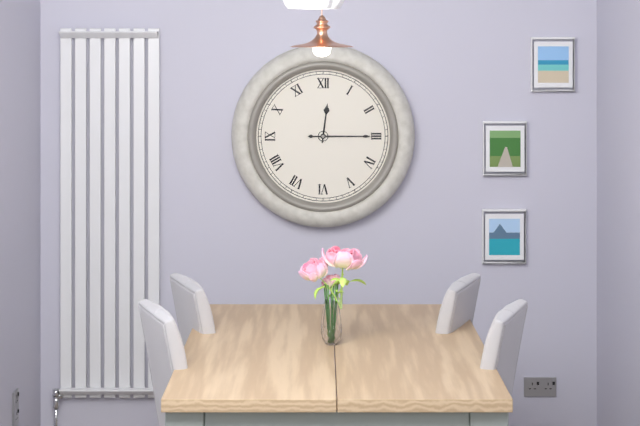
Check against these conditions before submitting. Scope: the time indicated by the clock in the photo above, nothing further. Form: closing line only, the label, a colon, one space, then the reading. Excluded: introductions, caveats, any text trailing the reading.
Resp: 12:15
